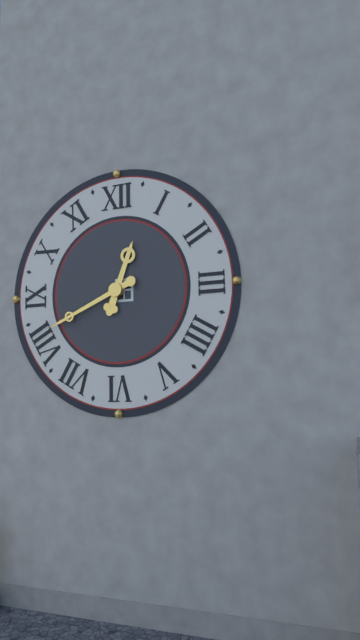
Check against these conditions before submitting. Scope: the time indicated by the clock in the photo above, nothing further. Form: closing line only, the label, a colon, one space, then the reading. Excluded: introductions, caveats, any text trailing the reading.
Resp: 12:41
